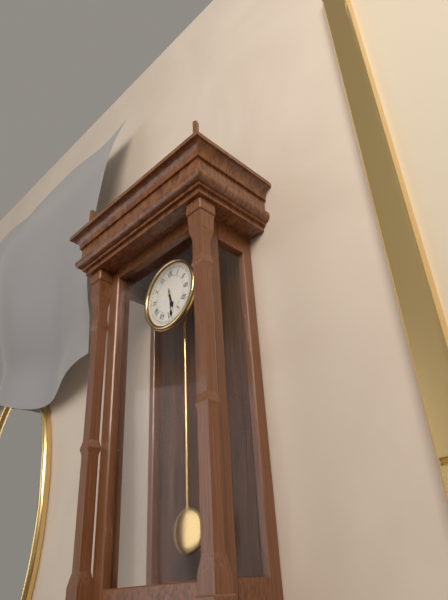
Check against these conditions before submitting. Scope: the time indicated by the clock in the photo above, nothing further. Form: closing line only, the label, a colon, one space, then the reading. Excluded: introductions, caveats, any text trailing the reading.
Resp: 5:29
